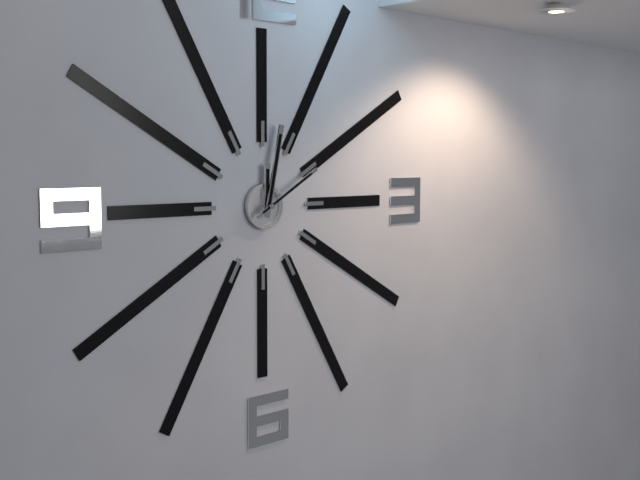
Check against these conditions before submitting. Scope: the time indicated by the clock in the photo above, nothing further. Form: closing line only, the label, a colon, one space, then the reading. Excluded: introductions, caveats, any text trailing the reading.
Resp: 12:02:10
